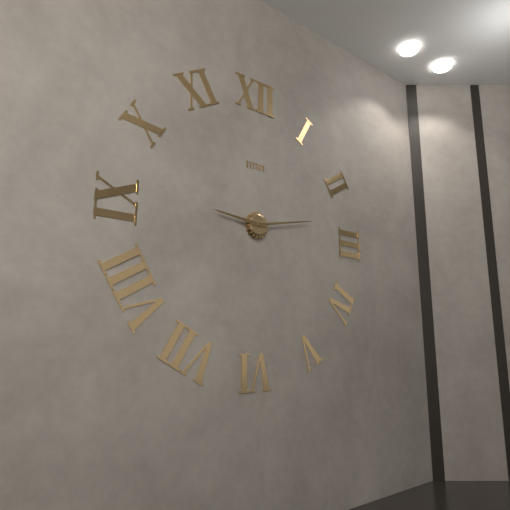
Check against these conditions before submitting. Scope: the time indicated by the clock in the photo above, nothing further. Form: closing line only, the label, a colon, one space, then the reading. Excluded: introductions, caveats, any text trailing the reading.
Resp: 9:13
